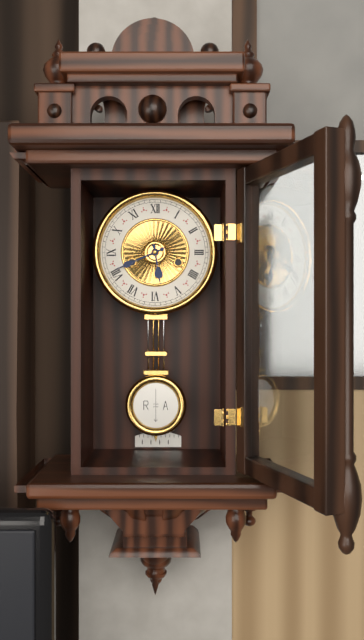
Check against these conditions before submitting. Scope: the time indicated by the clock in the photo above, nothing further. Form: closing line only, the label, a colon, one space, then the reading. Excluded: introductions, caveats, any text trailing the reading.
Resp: 5:41
